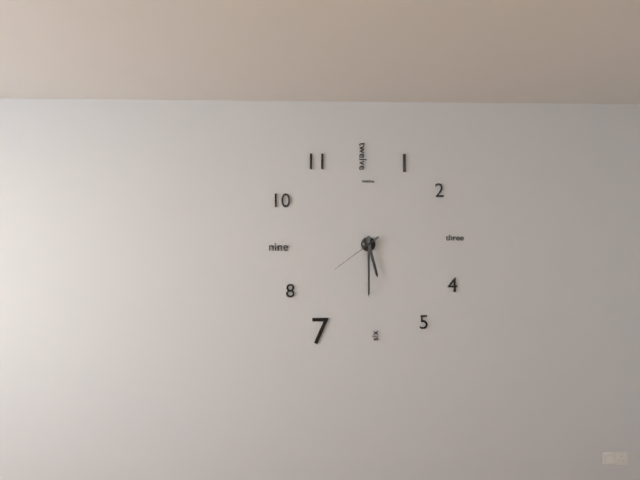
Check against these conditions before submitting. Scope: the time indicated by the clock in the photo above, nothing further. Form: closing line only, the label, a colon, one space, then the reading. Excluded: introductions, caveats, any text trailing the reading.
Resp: 5:30:39
